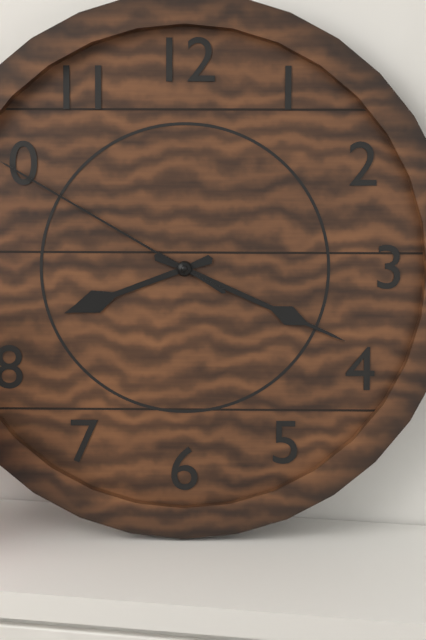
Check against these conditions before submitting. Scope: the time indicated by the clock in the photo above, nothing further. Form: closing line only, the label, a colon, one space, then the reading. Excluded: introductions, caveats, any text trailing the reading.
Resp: 8:19
